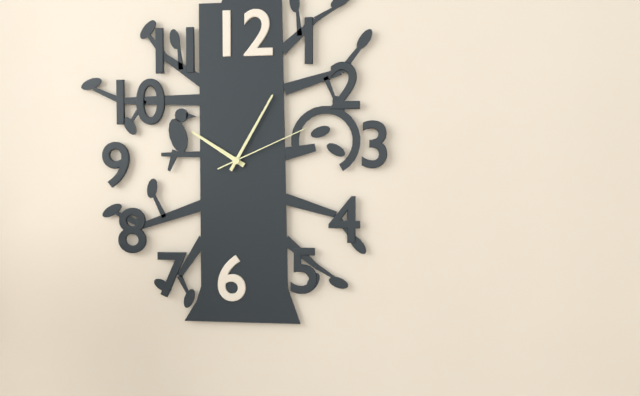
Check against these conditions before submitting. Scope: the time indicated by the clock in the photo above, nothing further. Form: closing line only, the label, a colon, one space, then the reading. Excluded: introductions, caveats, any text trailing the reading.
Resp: 10:05:11
